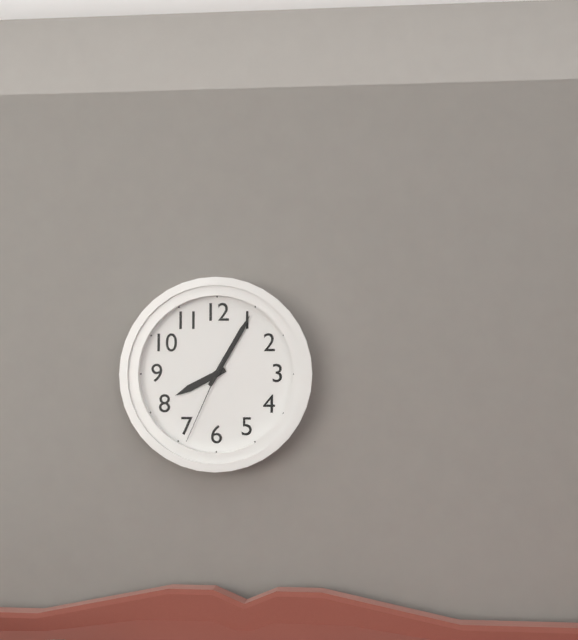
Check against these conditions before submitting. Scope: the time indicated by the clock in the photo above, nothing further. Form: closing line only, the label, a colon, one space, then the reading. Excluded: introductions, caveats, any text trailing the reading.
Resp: 8:05:34
